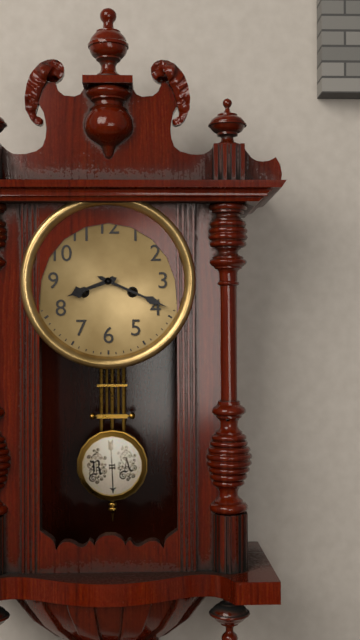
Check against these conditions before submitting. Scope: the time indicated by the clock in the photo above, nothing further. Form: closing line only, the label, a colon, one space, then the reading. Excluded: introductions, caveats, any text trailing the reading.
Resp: 8:19
